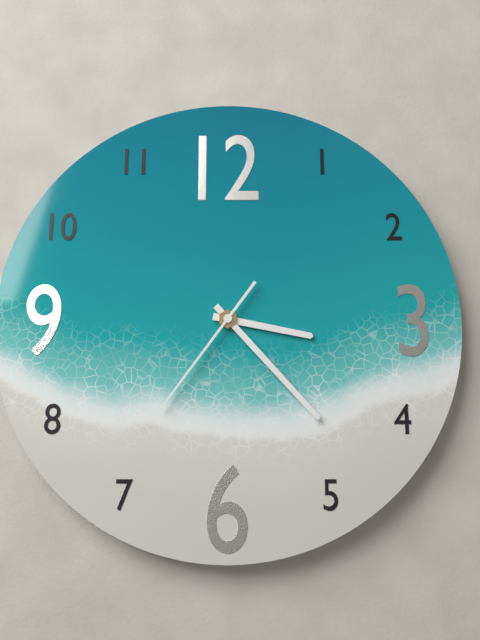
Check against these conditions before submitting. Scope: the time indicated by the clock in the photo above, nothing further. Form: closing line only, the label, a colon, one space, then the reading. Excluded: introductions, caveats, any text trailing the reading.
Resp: 3:23:36
